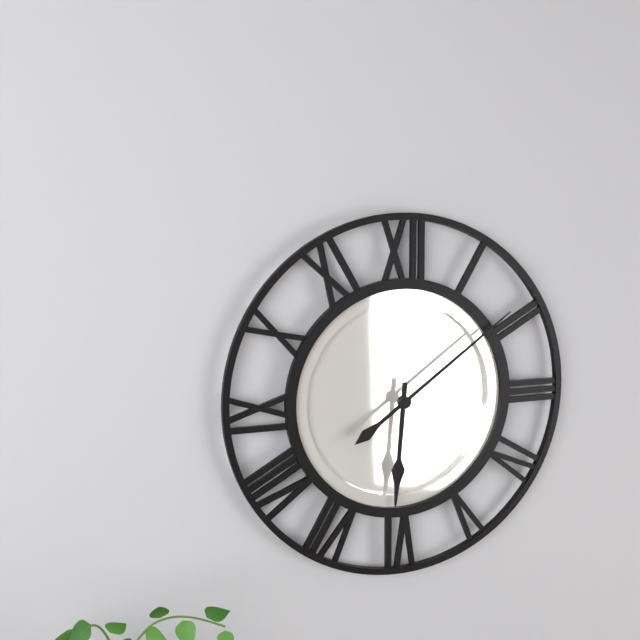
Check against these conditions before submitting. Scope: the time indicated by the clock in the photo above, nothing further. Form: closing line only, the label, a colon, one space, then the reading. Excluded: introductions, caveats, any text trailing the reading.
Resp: 6:09
